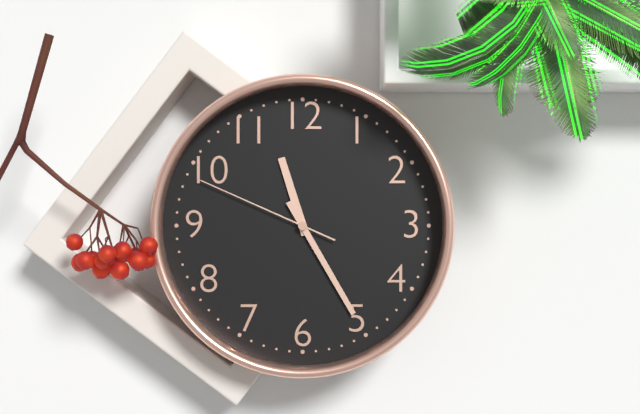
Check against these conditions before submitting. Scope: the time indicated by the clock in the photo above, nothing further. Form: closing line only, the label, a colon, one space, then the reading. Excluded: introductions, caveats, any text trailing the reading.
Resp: 11:25:49
